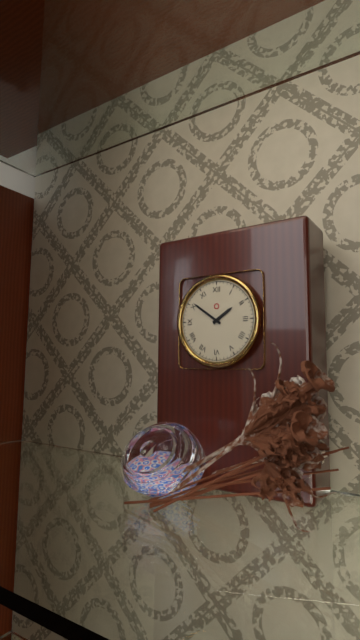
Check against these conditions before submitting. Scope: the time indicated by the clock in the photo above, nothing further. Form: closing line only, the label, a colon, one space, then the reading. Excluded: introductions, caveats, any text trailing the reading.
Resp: 1:51
